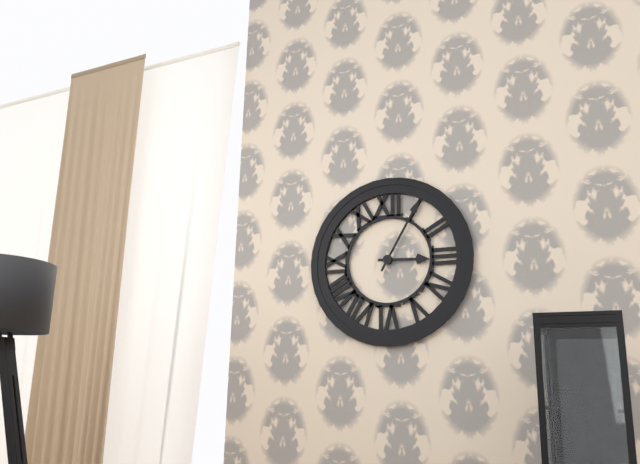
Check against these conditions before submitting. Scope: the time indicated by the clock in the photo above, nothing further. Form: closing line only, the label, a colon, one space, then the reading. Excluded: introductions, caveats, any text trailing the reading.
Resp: 3:05
